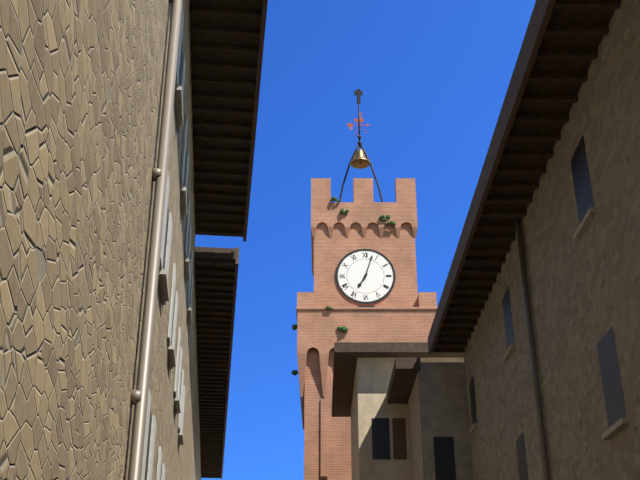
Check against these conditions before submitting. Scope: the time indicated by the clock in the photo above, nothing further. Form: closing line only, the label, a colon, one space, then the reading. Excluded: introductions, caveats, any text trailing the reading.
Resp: 7:03
